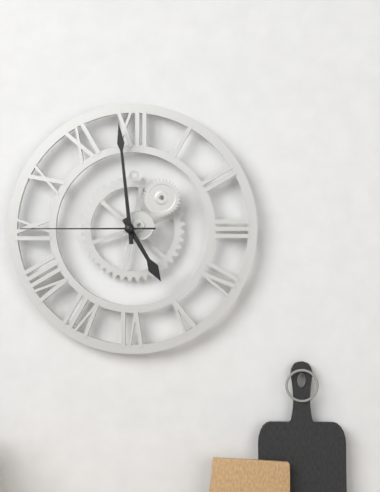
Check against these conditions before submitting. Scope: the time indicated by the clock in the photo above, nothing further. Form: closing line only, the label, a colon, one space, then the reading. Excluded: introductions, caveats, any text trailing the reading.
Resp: 4:59:45
